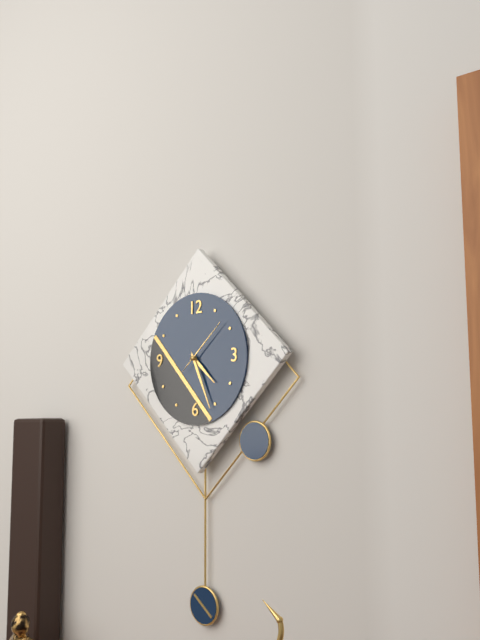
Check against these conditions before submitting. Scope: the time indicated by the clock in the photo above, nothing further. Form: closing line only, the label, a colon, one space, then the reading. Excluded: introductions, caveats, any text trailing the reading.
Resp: 4:26:08
